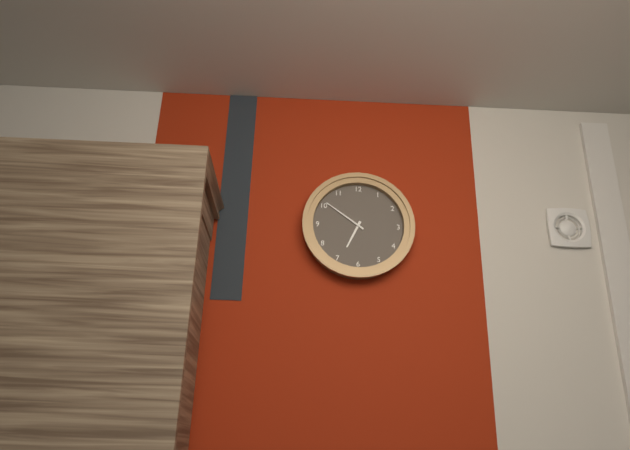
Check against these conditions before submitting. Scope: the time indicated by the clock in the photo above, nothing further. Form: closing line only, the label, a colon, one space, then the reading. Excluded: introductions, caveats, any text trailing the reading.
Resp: 6:51
